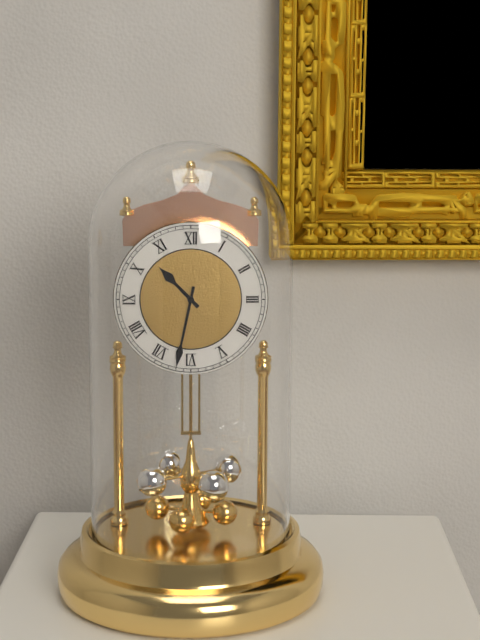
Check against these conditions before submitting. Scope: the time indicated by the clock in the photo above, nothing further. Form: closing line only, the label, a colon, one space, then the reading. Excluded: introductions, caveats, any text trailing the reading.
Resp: 10:32
